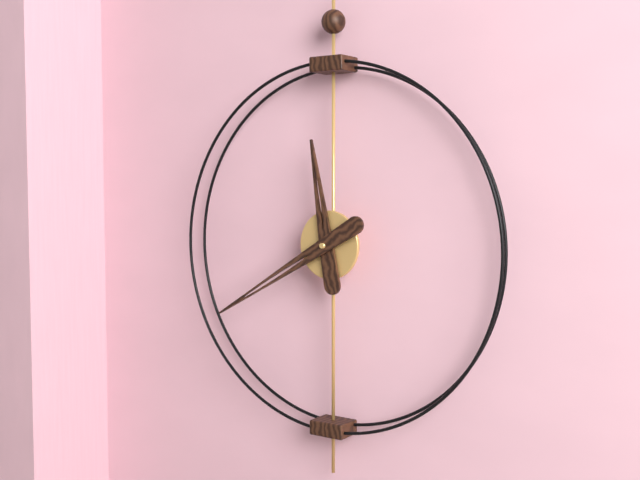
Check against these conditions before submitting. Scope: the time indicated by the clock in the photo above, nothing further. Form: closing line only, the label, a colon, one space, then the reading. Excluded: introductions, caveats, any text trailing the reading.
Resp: 11:40
